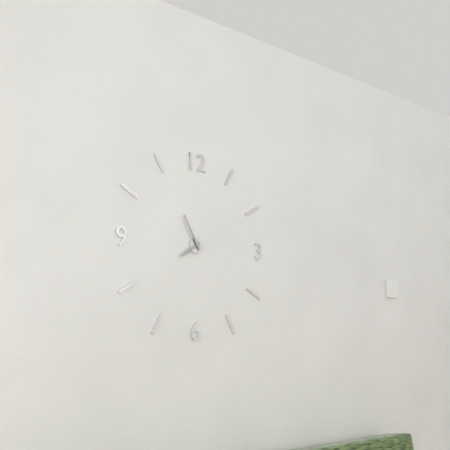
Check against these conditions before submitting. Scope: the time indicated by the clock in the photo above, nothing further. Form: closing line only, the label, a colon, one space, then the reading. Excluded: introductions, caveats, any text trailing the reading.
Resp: 7:55
